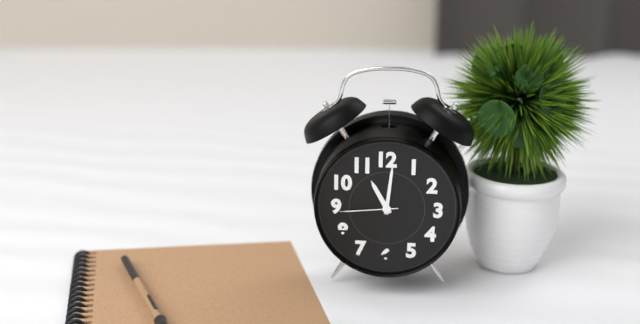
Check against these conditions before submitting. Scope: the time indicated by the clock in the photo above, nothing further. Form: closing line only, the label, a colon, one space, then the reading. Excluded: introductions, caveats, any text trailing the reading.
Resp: 11:01:44
